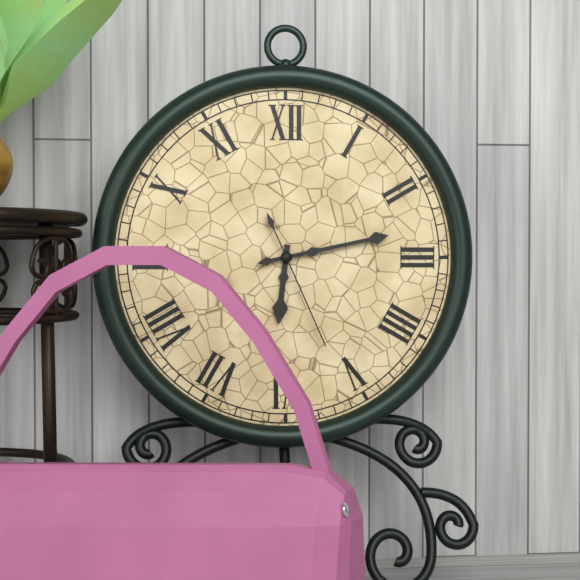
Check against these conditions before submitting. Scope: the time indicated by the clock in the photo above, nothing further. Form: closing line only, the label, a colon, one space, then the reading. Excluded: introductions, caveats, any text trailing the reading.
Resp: 6:13:26
